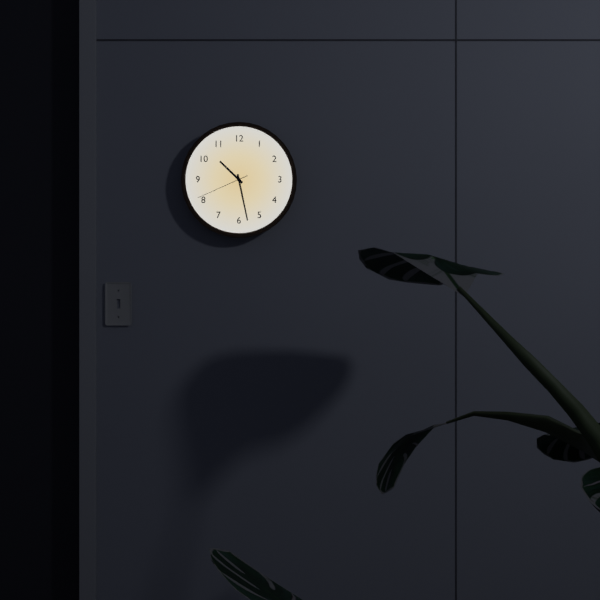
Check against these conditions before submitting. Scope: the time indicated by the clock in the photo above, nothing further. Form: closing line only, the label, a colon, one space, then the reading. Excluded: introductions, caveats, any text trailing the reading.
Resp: 10:28:41
